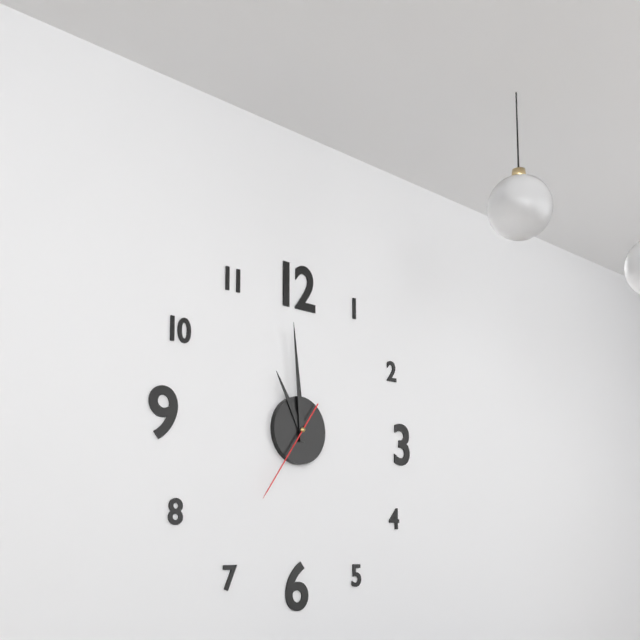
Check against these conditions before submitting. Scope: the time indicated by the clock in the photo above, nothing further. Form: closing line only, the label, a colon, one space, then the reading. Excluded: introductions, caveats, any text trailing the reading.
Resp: 10:59:36
